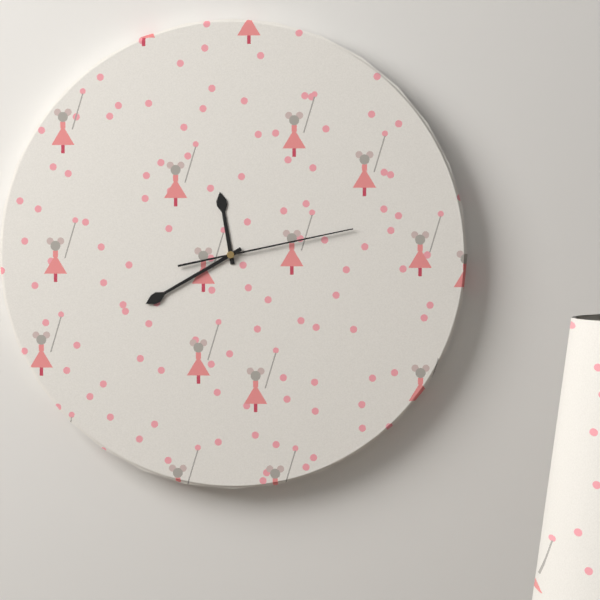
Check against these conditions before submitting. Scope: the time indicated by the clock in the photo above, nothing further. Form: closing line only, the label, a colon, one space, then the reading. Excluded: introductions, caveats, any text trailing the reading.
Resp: 11:40:13
